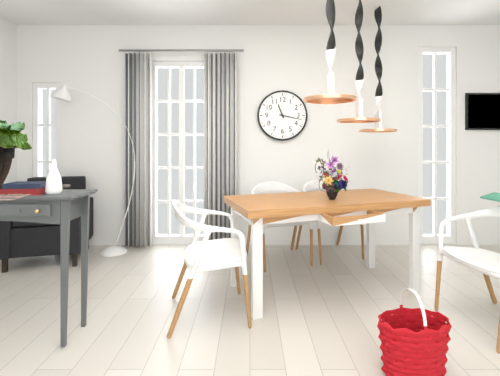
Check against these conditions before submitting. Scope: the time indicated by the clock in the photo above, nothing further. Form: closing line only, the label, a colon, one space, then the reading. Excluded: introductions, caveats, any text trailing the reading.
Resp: 11:17
